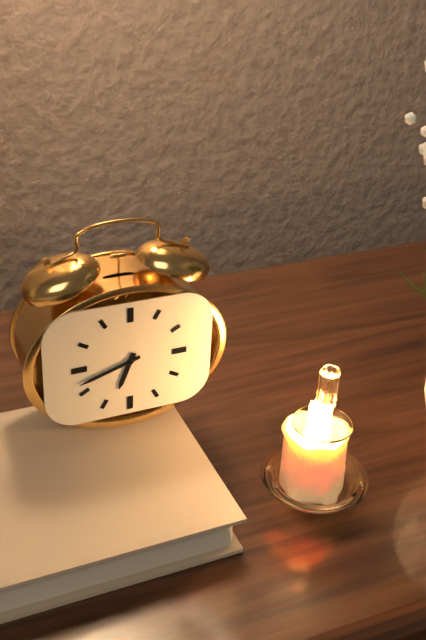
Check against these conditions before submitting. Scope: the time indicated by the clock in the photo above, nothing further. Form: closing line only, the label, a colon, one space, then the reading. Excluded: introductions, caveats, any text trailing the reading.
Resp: 6:42
